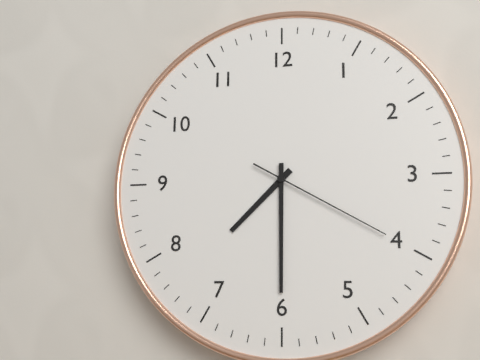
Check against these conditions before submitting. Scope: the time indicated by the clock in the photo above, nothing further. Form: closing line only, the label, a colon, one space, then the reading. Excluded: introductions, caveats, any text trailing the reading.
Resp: 7:30:20
